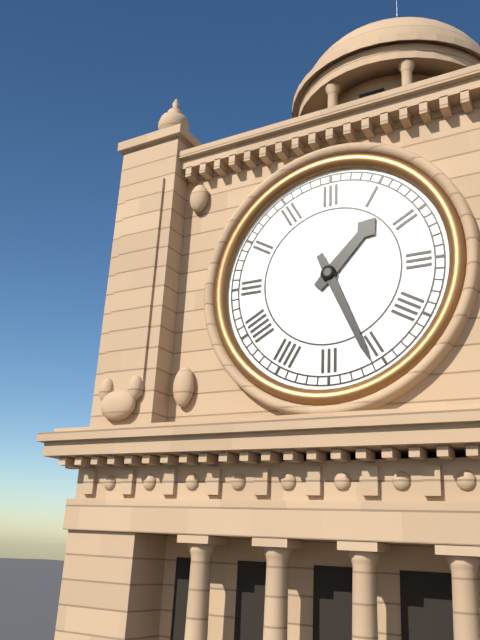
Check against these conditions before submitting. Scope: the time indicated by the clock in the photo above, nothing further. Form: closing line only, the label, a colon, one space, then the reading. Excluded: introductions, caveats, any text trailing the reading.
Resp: 1:26
